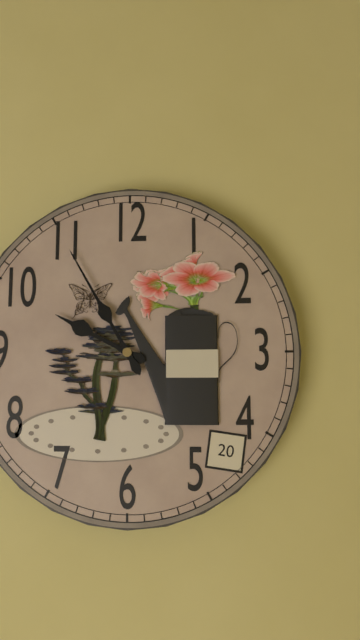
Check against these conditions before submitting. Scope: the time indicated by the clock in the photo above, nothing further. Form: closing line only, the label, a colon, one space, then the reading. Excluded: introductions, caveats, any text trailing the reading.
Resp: 9:55
